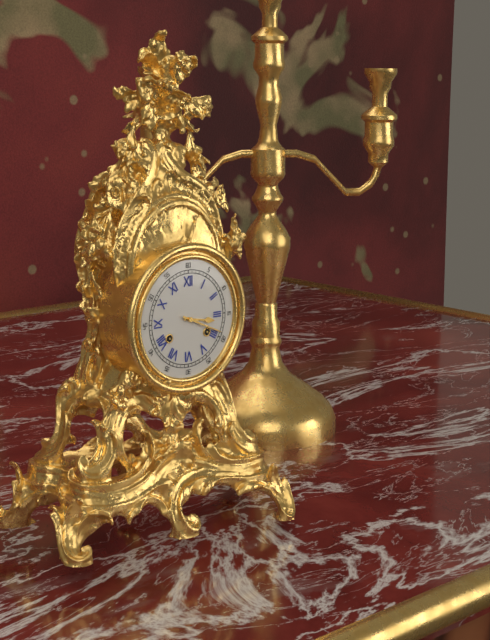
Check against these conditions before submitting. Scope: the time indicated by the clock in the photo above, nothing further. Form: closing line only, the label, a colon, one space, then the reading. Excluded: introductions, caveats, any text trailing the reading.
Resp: 3:19
